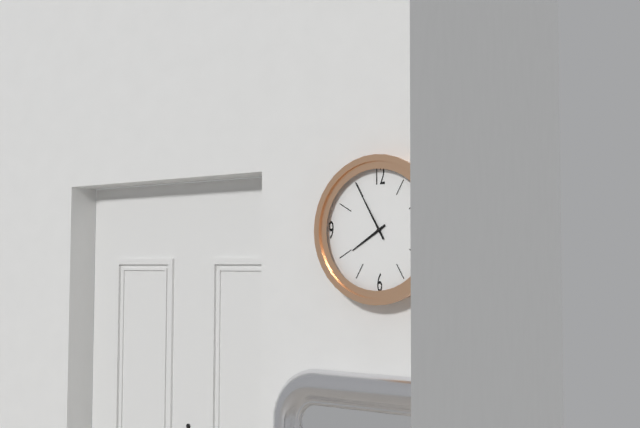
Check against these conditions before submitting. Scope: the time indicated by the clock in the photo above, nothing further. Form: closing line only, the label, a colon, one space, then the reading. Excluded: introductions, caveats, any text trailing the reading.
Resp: 7:55
